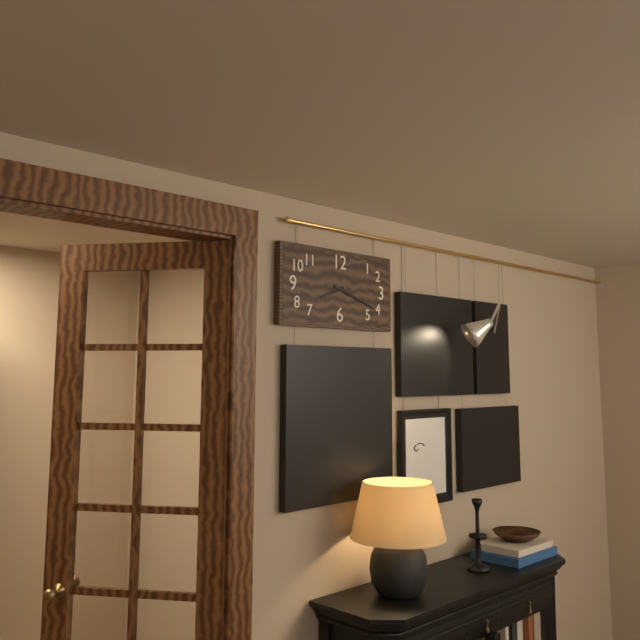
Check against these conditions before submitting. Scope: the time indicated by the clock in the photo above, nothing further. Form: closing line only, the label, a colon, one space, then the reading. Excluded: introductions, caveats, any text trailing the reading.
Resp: 8:18
